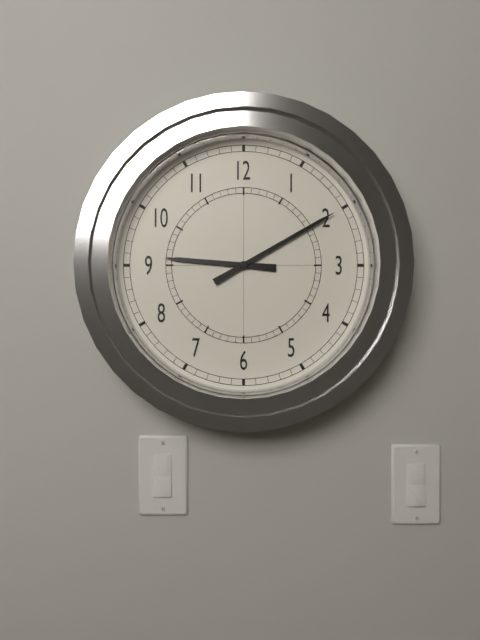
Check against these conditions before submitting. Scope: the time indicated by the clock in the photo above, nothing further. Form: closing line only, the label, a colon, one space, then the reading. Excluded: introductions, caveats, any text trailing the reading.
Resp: 9:10
